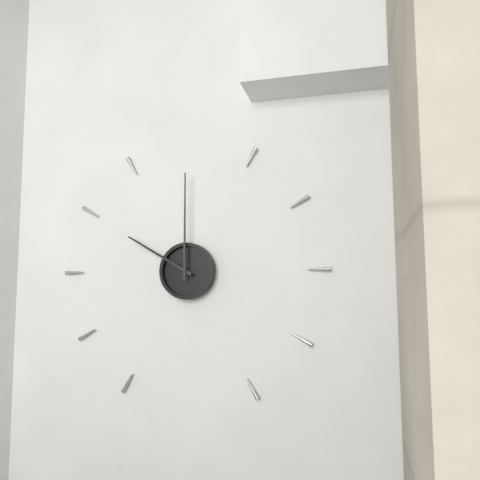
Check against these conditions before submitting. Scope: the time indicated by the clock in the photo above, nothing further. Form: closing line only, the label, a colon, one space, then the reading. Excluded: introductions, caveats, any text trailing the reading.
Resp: 10:00
